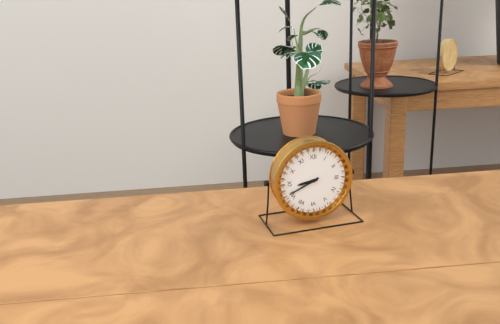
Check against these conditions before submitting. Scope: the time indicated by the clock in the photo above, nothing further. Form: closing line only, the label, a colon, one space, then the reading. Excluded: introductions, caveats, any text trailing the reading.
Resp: 8:41
